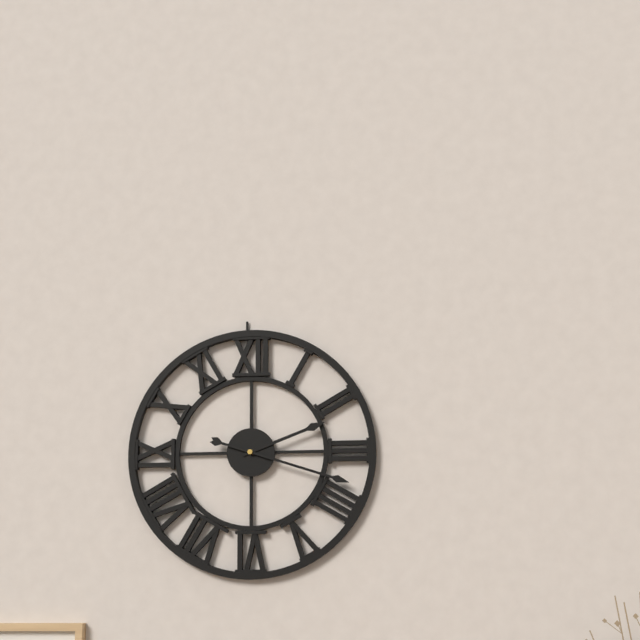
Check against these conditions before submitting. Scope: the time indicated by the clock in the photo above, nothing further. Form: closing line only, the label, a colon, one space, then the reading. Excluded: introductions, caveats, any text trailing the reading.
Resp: 2:18
